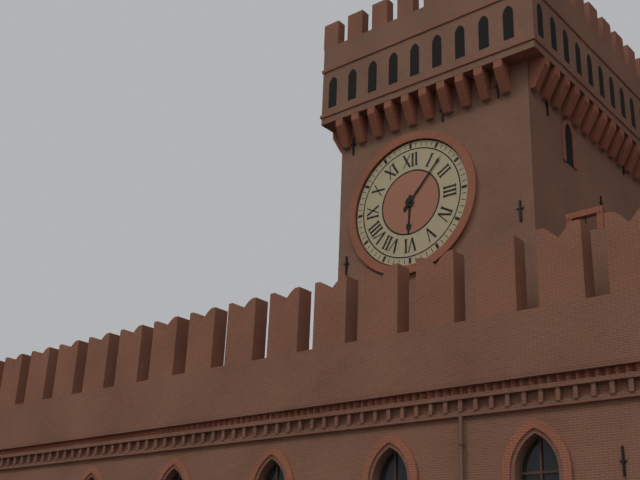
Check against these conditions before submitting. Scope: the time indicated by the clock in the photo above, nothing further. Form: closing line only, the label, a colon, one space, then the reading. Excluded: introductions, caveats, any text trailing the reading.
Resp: 6:07
